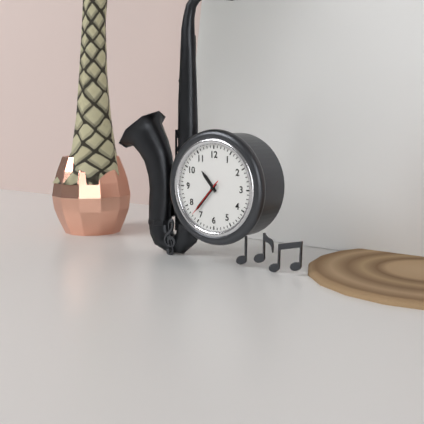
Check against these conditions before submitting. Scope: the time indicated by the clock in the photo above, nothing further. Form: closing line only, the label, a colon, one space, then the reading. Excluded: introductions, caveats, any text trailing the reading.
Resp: 10:37
